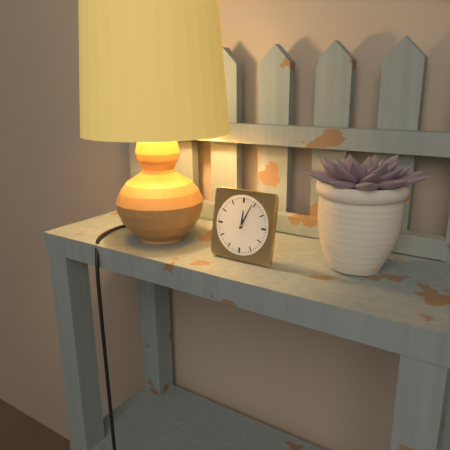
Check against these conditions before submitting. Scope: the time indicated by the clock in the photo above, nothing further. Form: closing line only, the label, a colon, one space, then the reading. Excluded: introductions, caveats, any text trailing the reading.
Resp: 12:04
